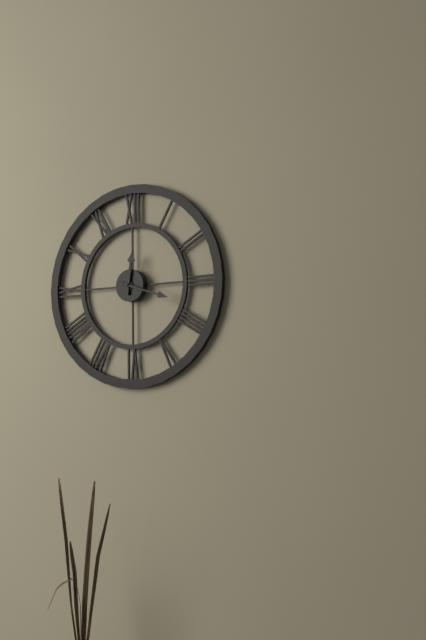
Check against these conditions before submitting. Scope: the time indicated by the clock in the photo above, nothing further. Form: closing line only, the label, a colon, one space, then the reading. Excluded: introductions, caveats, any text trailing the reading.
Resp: 12:18
